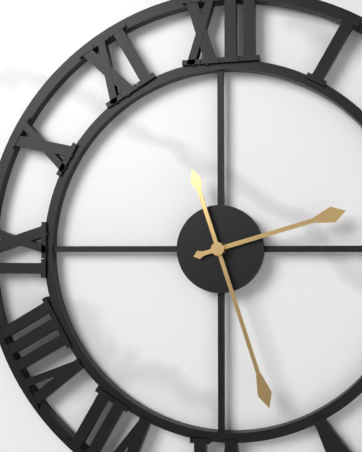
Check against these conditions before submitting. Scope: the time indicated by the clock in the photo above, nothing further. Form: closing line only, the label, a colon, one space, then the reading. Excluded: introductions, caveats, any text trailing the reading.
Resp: 2:27
